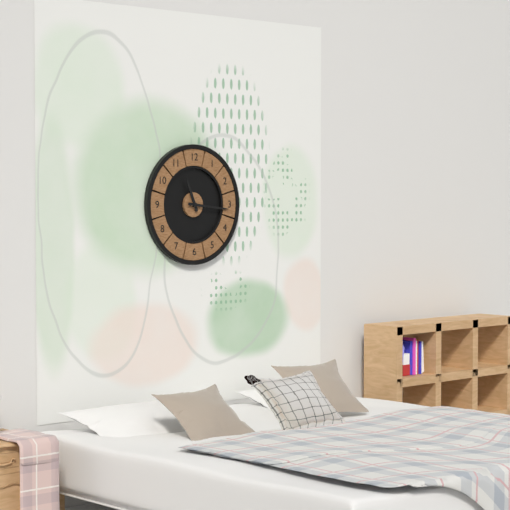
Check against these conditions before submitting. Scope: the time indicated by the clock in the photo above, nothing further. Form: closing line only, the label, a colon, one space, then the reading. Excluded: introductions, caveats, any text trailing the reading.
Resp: 11:16
